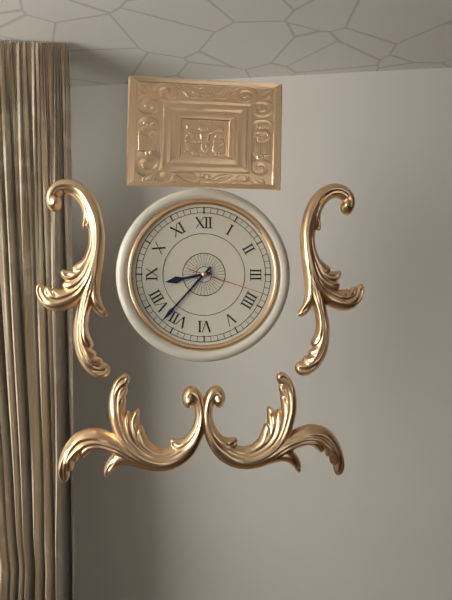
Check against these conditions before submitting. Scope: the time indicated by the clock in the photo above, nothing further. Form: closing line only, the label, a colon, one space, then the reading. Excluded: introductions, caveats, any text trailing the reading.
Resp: 8:37:18
